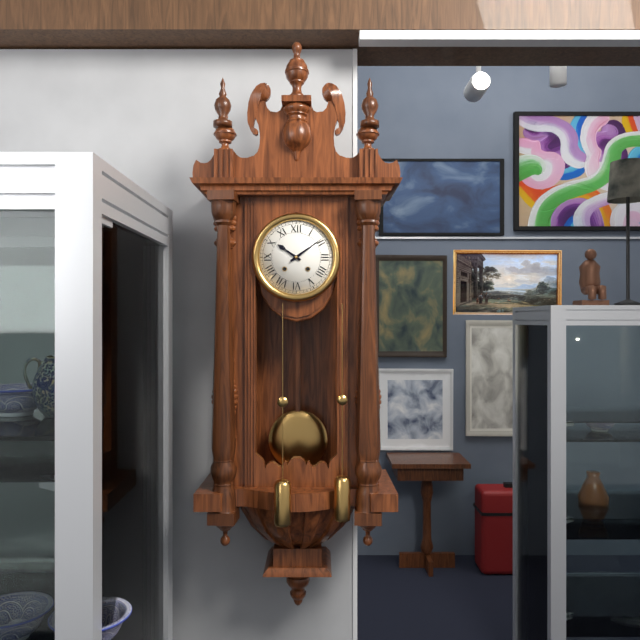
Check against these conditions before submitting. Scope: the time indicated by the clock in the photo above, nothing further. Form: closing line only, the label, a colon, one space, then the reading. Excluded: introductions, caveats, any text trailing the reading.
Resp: 10:09
